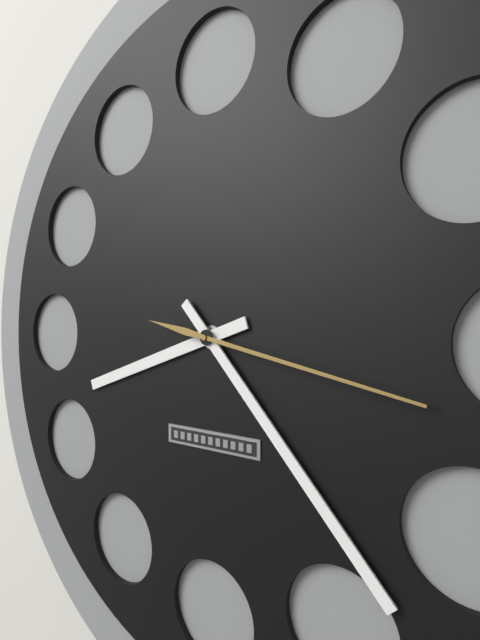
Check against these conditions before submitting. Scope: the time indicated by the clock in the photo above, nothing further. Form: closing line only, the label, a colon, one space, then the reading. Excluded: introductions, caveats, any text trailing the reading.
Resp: 8:23:17
